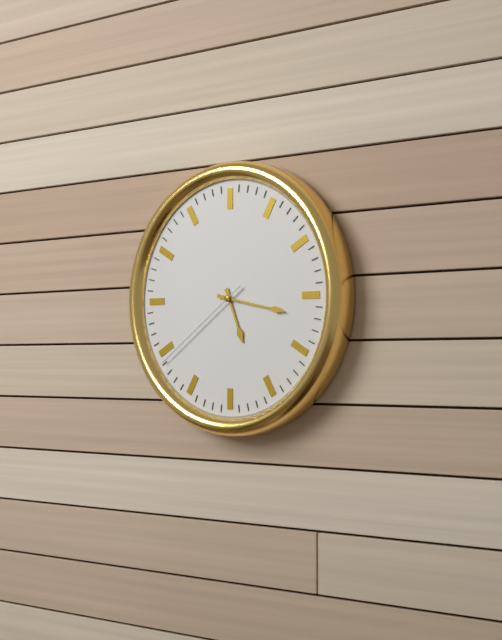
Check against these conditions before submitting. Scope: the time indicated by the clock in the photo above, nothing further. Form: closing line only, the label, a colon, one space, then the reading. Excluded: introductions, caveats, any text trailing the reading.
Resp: 5:17:39
